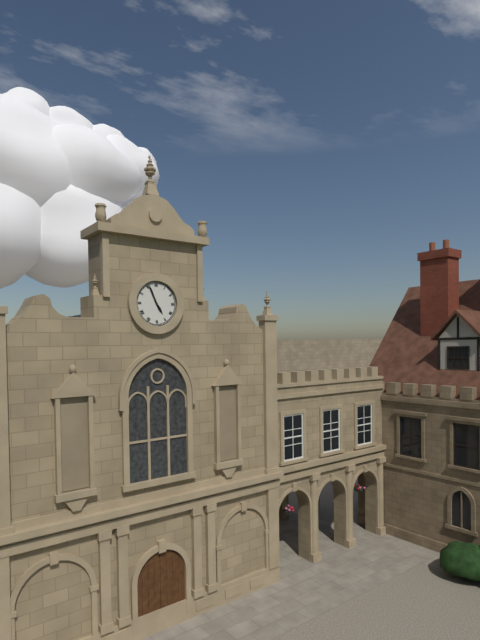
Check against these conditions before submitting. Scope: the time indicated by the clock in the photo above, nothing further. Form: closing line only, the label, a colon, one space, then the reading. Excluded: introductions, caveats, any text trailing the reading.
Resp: 4:56
